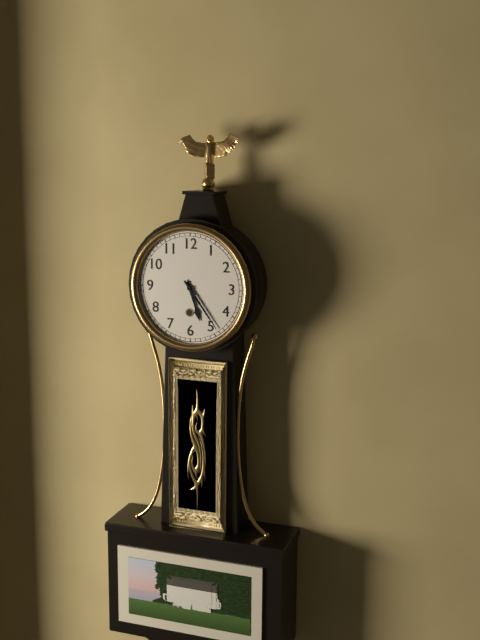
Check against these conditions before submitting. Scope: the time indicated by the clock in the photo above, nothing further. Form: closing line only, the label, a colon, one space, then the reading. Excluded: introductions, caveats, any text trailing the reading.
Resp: 5:24
